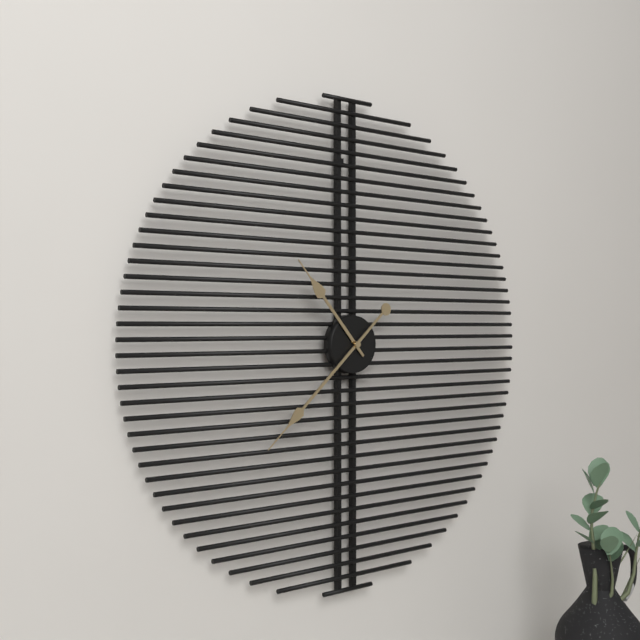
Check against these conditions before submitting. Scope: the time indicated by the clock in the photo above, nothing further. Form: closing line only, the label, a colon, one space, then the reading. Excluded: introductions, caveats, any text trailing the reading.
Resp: 10:38
